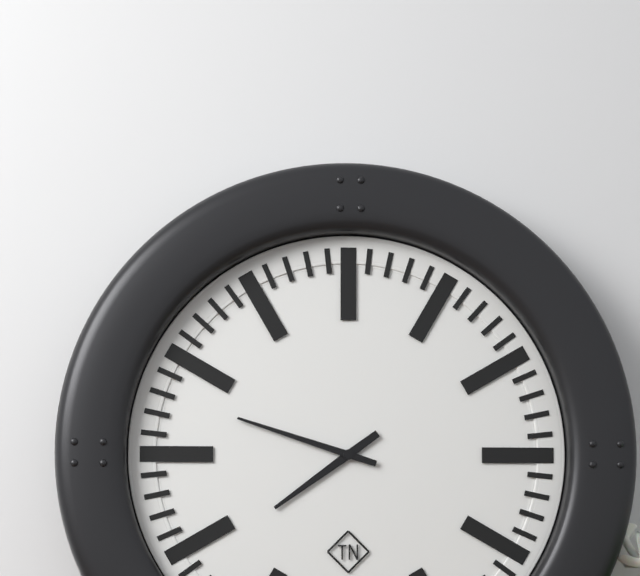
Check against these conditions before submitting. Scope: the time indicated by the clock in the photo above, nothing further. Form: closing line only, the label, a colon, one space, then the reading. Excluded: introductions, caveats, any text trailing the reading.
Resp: 7:48
